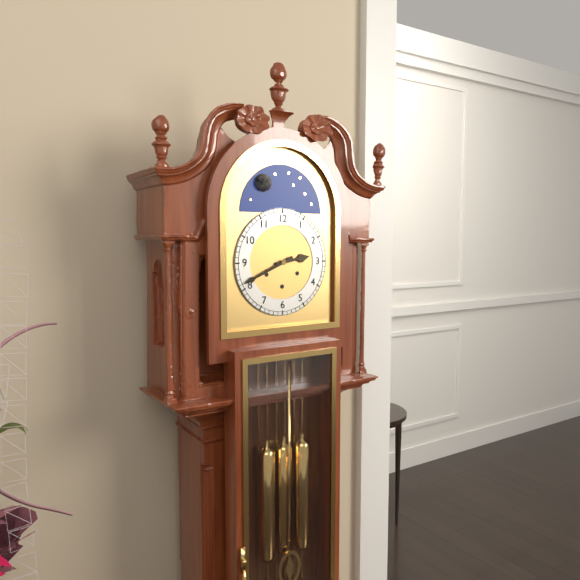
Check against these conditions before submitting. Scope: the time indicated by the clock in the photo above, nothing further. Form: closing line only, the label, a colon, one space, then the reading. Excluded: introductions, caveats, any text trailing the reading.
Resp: 2:41
